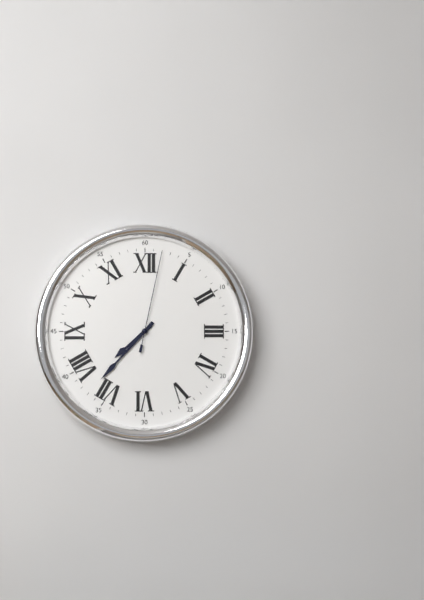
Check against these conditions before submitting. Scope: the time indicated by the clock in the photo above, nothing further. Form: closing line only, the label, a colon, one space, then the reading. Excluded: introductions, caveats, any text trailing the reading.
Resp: 7:37:02
